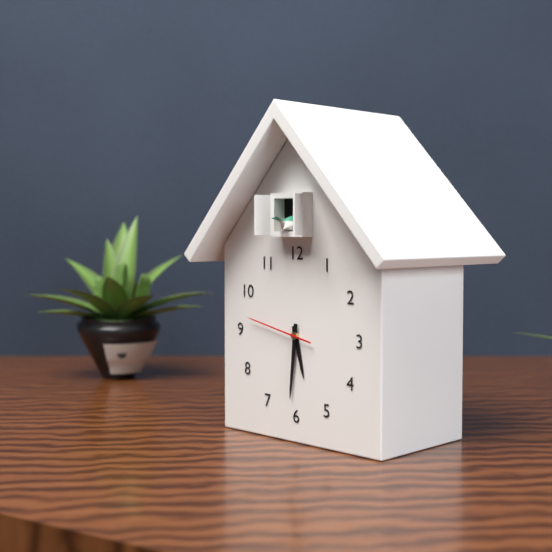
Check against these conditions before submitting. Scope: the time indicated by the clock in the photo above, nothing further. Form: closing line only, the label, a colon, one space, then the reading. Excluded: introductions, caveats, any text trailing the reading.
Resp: 5:31:47
